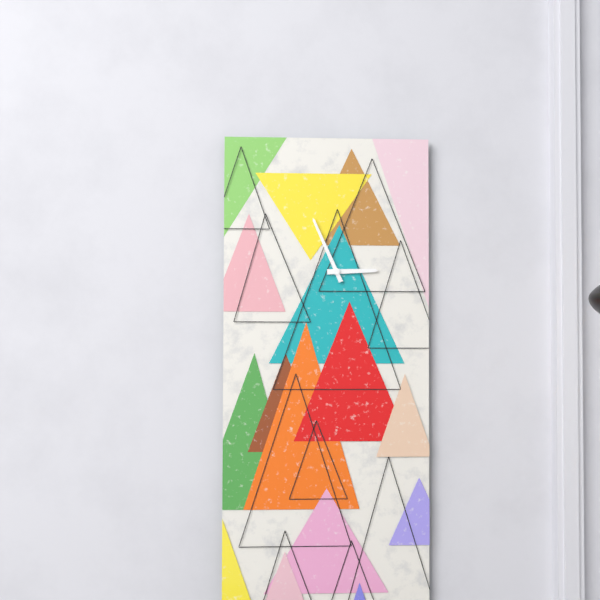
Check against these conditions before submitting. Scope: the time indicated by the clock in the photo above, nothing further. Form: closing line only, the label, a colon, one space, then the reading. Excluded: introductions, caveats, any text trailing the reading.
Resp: 2:56
